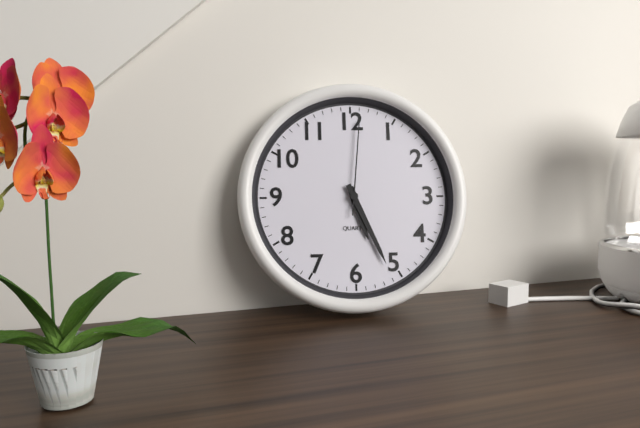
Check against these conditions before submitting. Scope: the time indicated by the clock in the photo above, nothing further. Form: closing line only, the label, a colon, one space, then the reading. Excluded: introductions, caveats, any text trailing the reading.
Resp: 5:26:01
